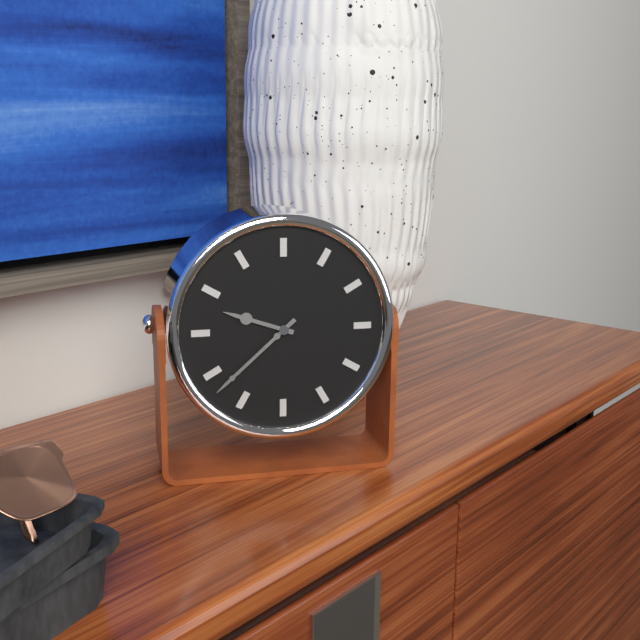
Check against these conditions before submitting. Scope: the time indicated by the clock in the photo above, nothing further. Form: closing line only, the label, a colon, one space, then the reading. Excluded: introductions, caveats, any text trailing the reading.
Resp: 9:38
